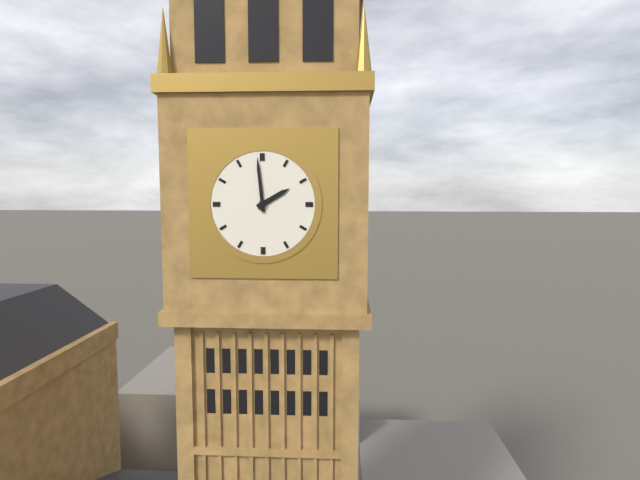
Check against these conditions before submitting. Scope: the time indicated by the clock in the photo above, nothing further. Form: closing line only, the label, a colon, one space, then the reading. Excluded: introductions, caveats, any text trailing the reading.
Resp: 1:59
